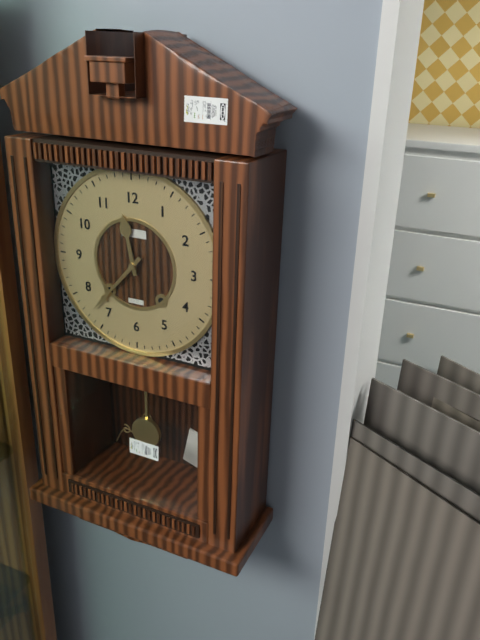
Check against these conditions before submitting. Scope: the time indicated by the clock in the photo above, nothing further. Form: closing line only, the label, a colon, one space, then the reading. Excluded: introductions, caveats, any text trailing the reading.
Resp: 11:37
